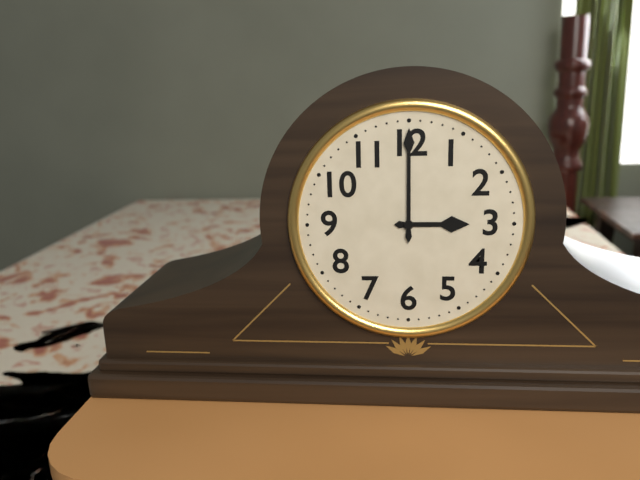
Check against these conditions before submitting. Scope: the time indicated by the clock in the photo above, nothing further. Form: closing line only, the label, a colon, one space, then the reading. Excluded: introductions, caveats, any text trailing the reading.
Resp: 3:00
